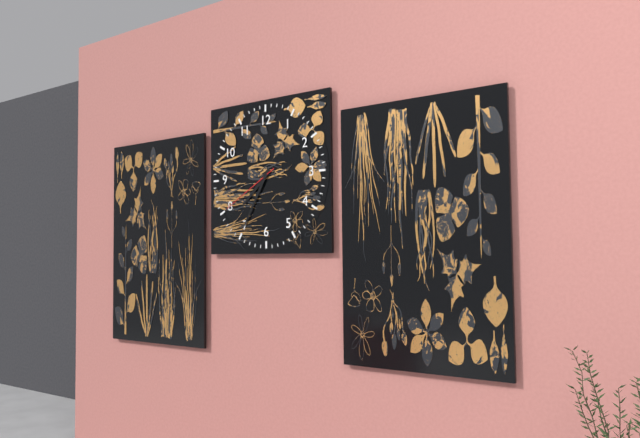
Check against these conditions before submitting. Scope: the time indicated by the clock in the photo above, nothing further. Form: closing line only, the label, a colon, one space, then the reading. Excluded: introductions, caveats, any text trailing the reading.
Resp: 7:35:40
